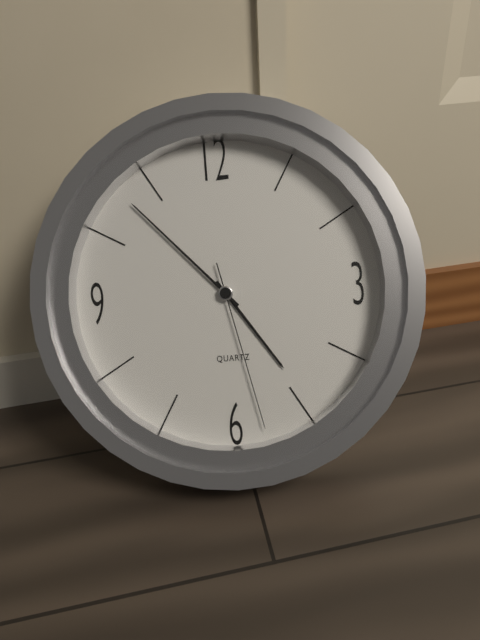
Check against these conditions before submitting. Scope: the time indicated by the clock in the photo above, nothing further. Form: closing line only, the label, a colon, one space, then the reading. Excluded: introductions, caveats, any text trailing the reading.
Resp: 4:53:28
